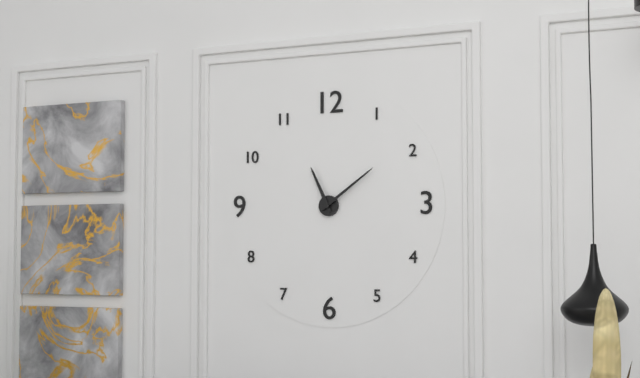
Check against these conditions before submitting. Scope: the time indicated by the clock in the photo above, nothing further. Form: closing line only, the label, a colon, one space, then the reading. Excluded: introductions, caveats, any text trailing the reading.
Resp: 11:09
